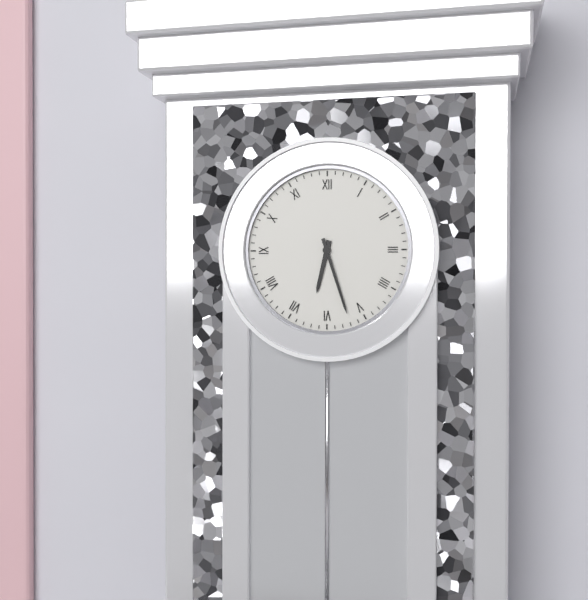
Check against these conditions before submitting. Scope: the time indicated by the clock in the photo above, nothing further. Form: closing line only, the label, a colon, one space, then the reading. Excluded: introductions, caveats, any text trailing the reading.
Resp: 6:27
